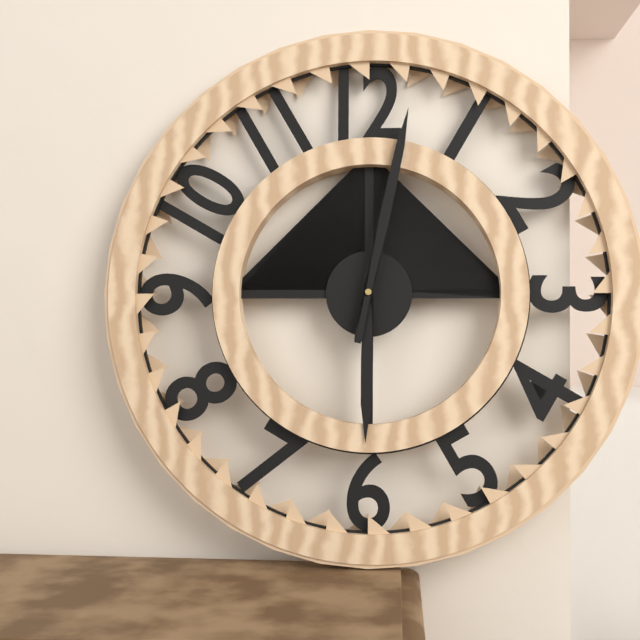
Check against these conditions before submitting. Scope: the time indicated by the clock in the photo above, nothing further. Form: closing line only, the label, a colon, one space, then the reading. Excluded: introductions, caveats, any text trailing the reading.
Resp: 6:02
